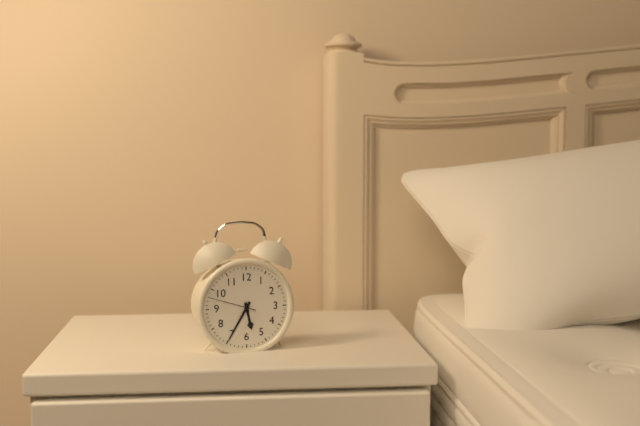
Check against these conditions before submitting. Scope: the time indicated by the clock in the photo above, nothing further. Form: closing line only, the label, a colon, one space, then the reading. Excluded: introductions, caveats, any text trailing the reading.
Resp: 5:35
